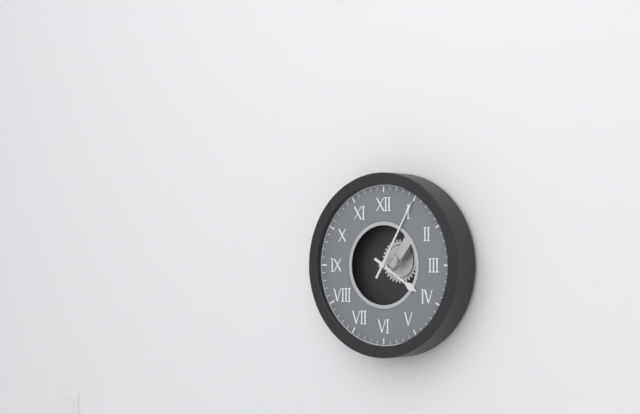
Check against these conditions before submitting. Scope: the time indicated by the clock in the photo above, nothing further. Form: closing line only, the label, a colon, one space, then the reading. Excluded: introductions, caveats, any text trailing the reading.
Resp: 4:05
